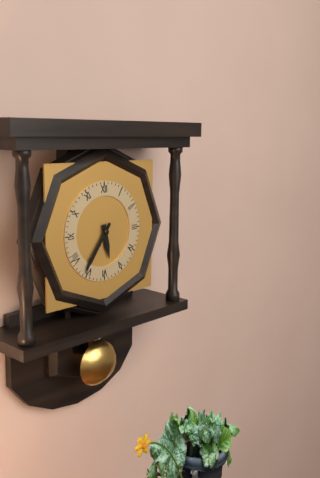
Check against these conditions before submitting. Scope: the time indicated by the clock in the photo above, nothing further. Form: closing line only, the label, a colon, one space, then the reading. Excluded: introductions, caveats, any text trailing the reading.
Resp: 5:36
